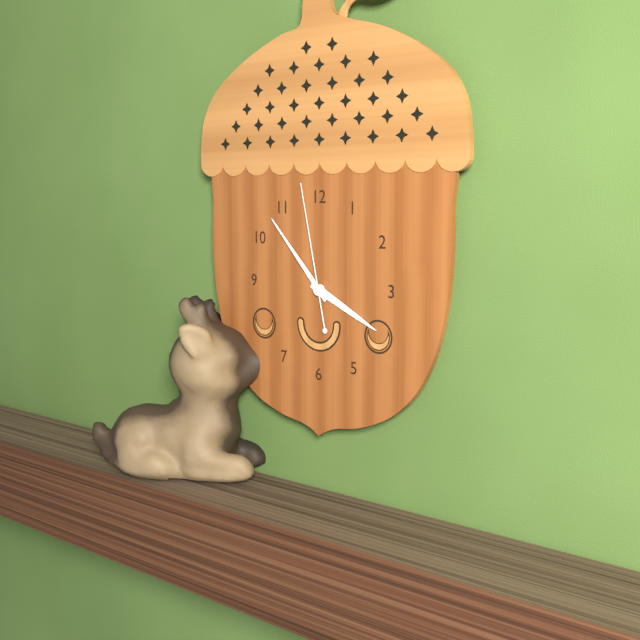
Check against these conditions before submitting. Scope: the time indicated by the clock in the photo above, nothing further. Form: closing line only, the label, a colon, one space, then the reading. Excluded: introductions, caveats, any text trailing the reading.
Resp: 3:53:58
